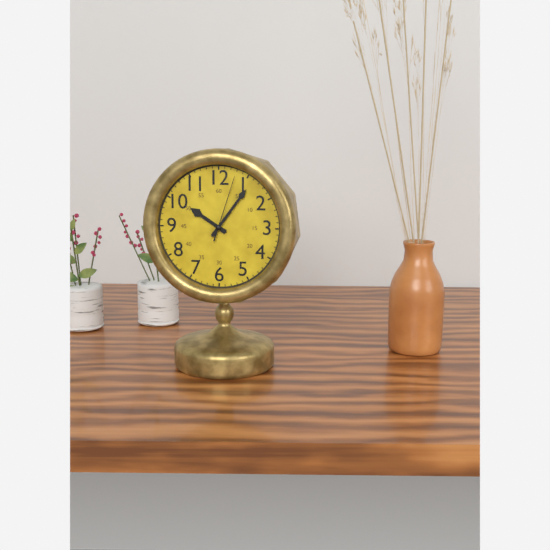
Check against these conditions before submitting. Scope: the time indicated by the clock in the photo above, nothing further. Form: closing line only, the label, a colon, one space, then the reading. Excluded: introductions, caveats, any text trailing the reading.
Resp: 10:06:03
